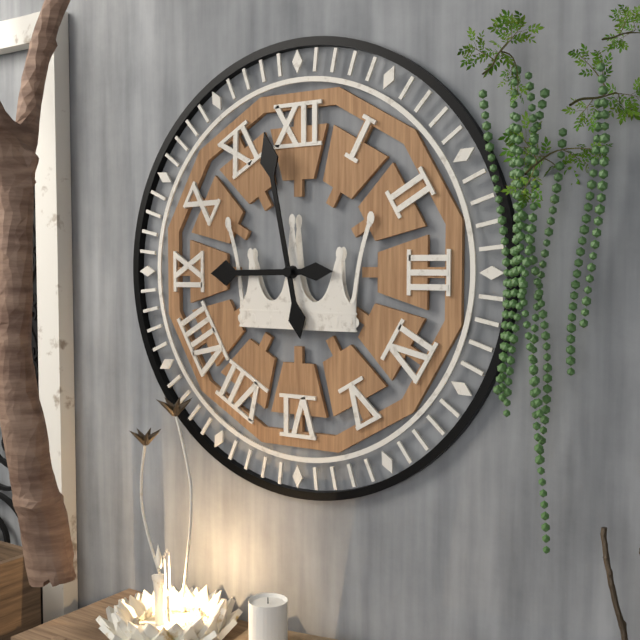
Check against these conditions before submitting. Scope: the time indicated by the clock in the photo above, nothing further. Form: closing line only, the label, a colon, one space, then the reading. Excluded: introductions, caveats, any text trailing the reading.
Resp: 8:58
